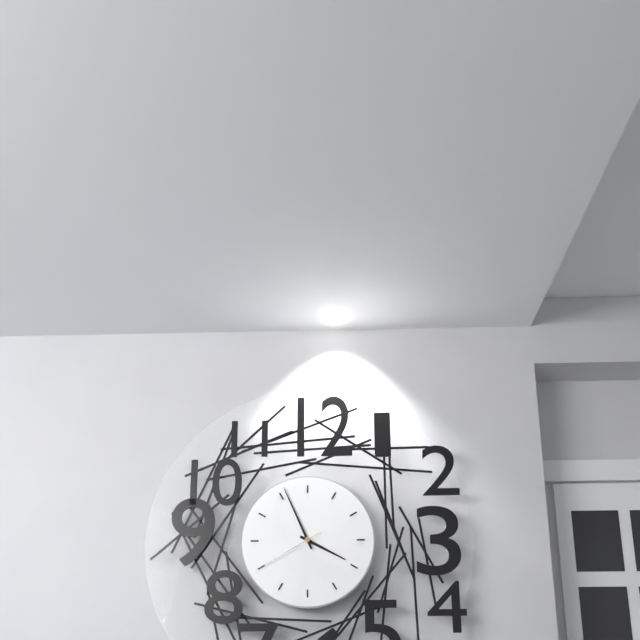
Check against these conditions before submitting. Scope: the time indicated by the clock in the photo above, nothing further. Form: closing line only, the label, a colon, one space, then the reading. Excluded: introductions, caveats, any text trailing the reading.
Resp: 3:56:40
